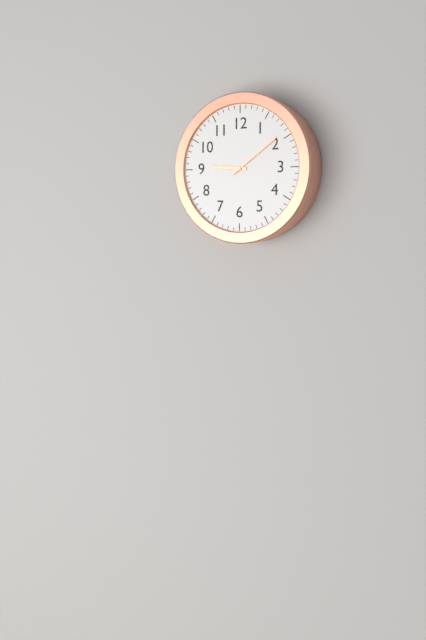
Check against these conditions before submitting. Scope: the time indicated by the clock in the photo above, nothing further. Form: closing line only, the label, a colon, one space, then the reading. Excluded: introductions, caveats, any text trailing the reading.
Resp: 9:09
